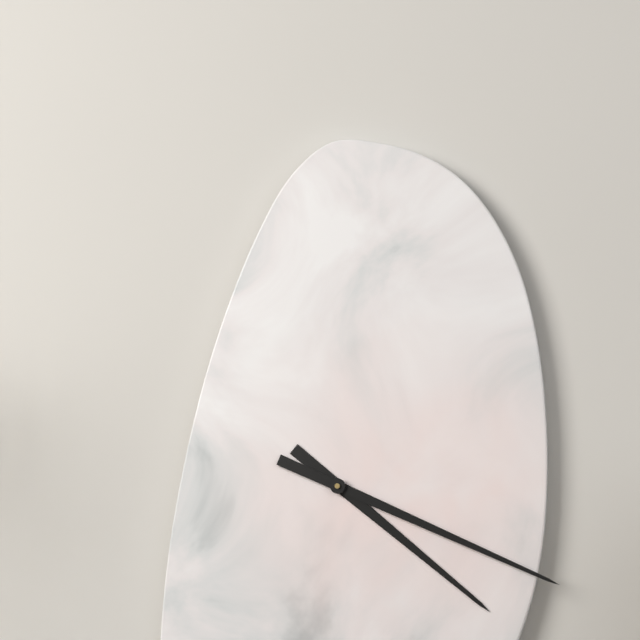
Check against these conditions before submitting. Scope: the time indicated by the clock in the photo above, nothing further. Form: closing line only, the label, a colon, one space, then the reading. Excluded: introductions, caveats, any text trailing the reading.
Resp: 4:19
